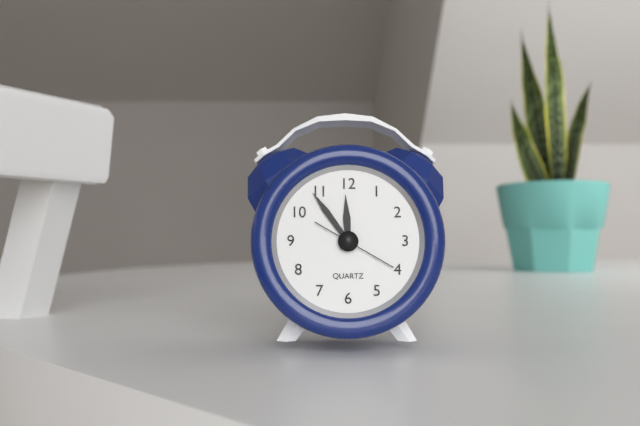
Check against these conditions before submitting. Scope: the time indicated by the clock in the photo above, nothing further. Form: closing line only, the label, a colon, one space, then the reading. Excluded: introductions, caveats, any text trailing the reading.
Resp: 11:54:20
